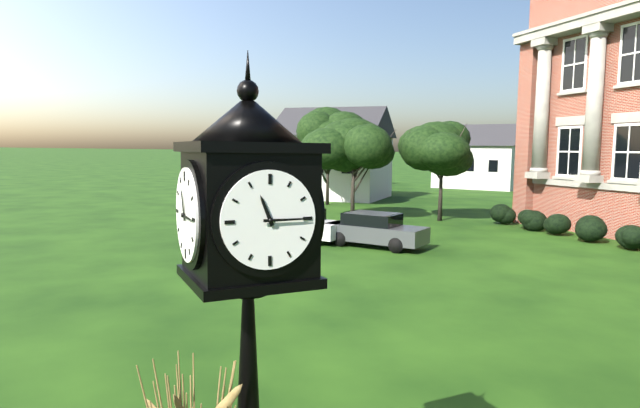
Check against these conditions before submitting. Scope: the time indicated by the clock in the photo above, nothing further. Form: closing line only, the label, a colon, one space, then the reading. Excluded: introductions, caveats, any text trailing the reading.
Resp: 11:15
